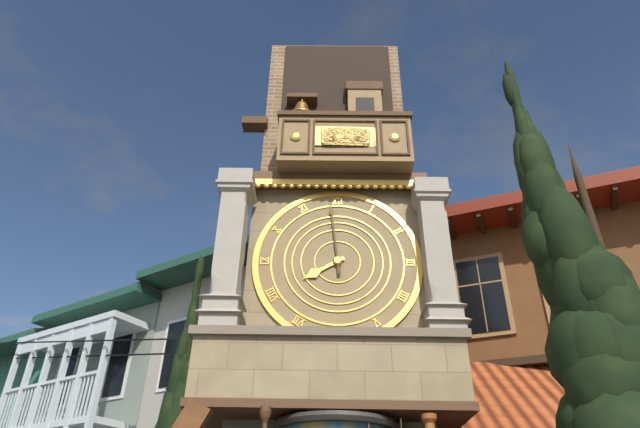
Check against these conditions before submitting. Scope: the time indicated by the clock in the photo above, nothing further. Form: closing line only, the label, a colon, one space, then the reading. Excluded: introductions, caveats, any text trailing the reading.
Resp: 7:59
